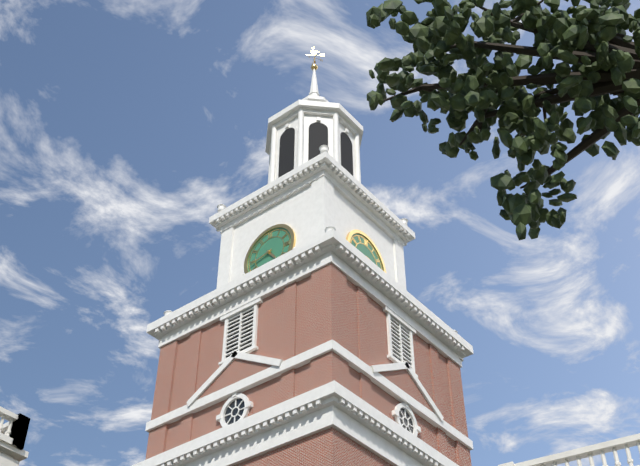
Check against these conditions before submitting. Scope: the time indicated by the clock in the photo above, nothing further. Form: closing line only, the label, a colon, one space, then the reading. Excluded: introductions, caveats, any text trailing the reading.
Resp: 4:43
